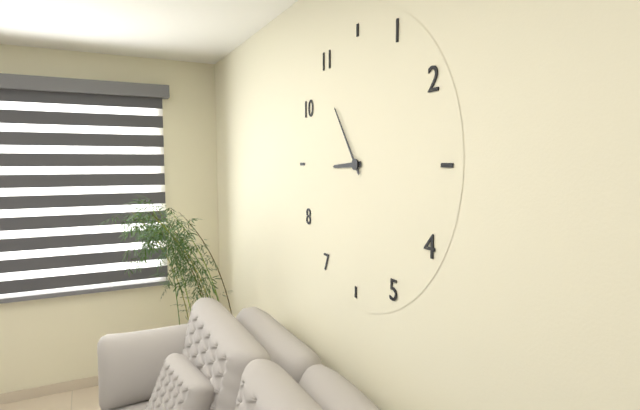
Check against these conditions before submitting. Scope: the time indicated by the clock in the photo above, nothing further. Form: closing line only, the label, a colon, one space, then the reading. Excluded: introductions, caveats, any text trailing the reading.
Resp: 8:54
